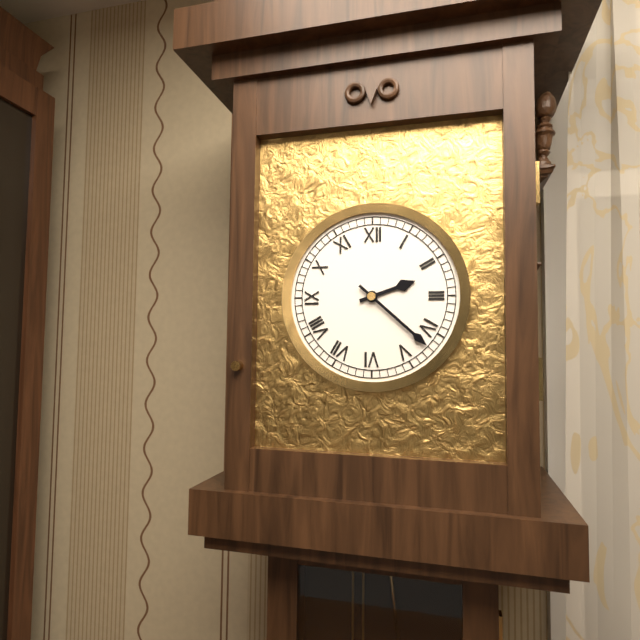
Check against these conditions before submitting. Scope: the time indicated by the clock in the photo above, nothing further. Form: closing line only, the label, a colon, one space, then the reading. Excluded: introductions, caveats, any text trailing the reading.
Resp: 2:22
